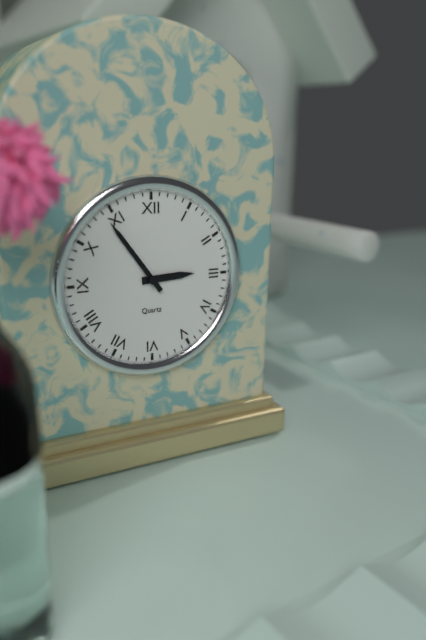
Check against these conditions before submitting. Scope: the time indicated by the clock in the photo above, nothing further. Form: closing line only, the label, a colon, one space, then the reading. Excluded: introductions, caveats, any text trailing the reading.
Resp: 2:54
